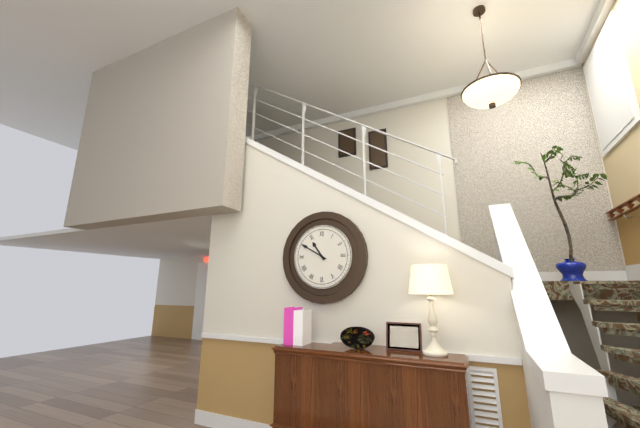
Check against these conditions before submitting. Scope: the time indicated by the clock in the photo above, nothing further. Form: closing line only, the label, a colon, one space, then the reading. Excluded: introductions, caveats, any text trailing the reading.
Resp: 10:50
